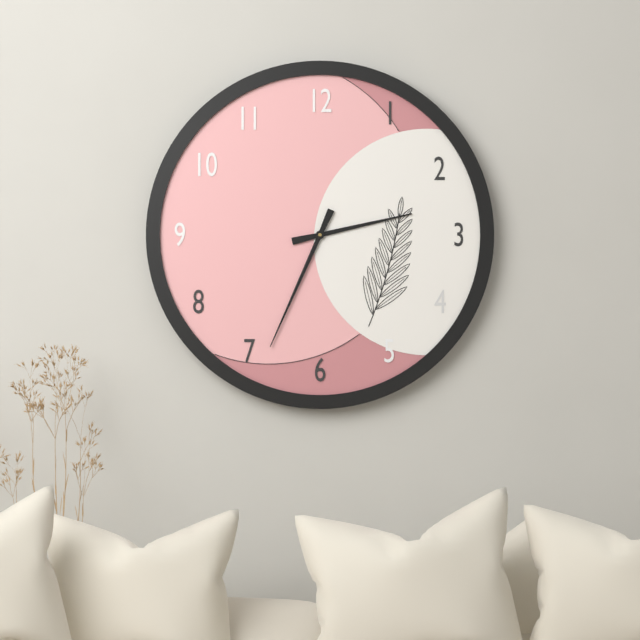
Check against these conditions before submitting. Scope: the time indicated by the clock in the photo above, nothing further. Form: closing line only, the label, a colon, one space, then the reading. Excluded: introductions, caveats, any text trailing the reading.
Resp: 2:34
